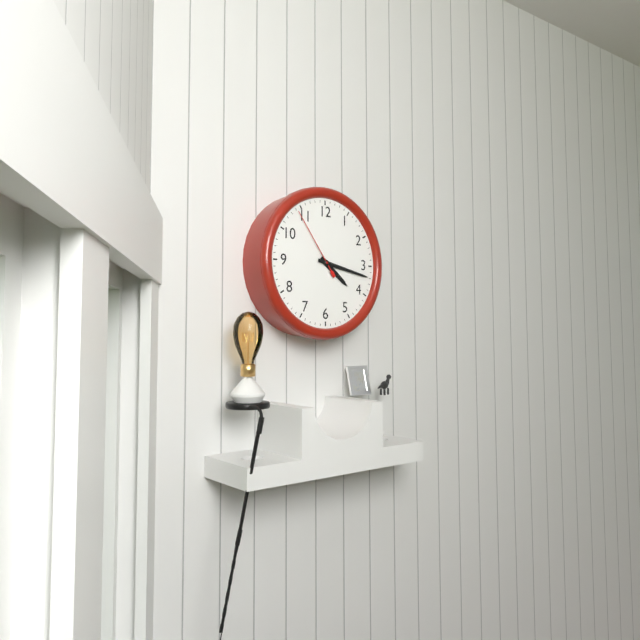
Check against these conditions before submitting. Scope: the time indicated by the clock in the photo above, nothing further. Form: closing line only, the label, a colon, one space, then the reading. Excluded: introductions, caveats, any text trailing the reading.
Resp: 4:17:54
